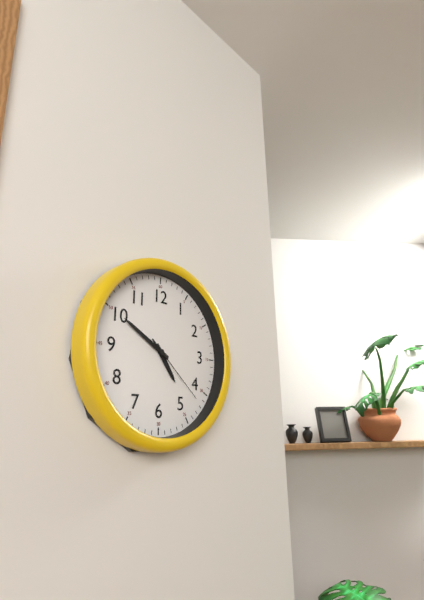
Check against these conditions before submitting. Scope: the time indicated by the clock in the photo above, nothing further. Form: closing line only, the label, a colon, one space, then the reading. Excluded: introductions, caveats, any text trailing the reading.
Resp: 4:50:22
